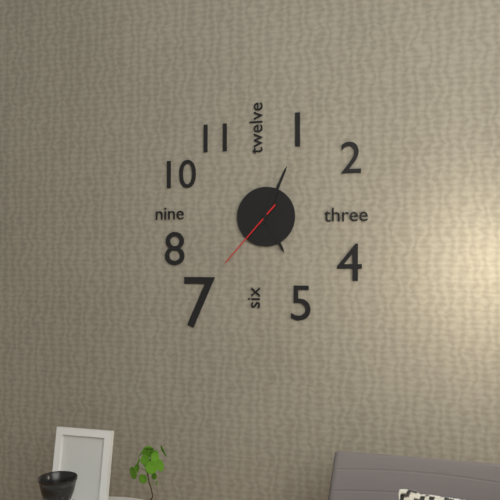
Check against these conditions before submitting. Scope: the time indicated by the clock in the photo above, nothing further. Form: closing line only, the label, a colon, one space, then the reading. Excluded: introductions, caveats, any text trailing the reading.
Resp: 5:04:37
